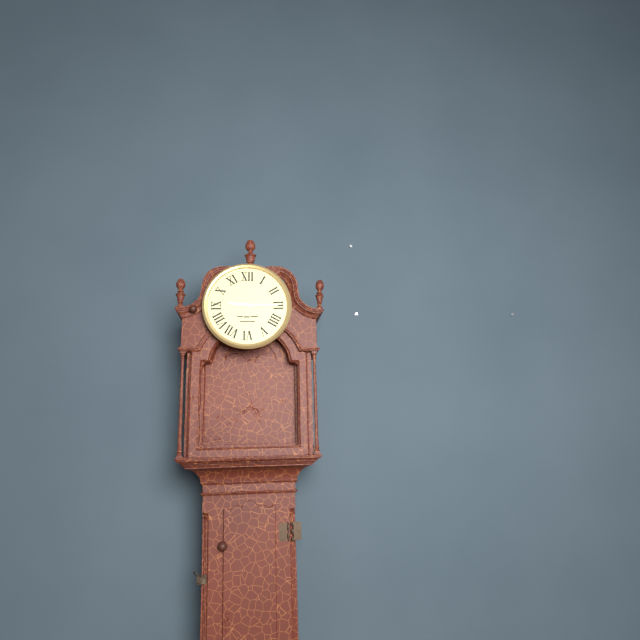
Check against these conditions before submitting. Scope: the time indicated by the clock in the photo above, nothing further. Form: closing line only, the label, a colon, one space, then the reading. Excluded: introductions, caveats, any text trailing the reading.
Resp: 9:15
